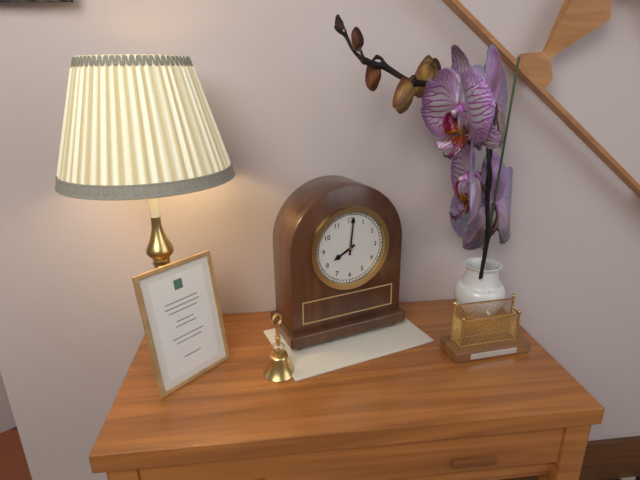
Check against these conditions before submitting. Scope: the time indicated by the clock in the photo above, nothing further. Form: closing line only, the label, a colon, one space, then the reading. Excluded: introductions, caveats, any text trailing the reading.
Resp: 8:01
